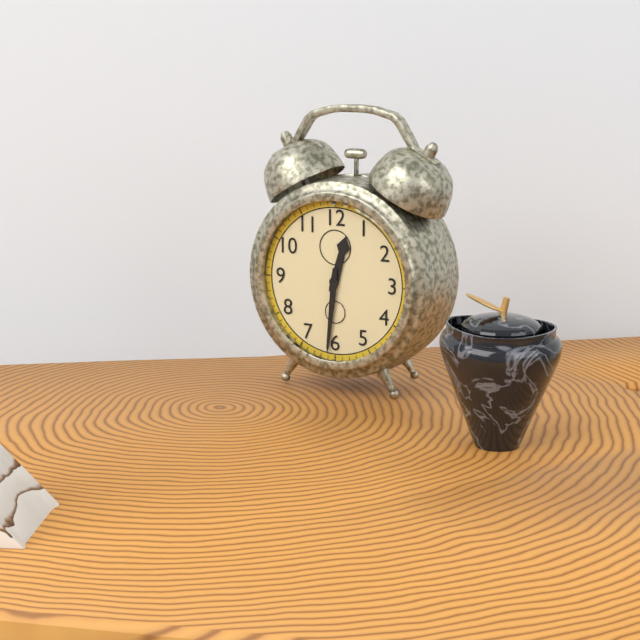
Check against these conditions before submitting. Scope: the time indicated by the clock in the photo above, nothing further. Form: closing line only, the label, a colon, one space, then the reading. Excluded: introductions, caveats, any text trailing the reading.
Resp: 12:31
